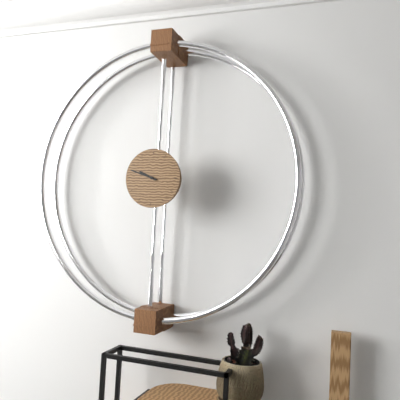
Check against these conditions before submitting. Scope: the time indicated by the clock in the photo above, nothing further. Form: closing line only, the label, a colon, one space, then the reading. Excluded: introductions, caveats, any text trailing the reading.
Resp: 9:48
